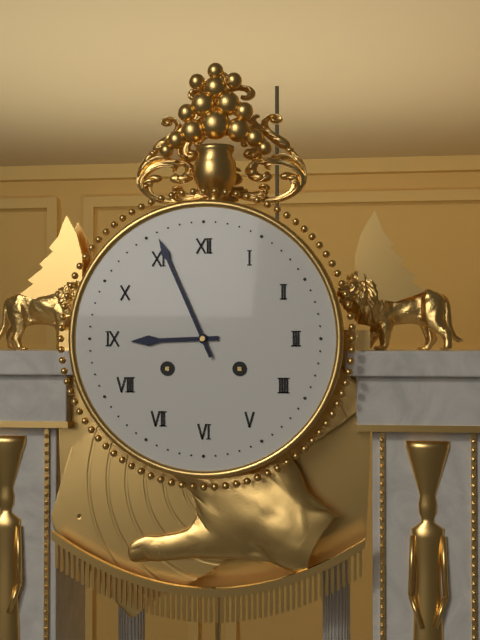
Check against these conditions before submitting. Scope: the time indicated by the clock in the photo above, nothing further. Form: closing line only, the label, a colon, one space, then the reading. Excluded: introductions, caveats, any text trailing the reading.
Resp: 8:56
